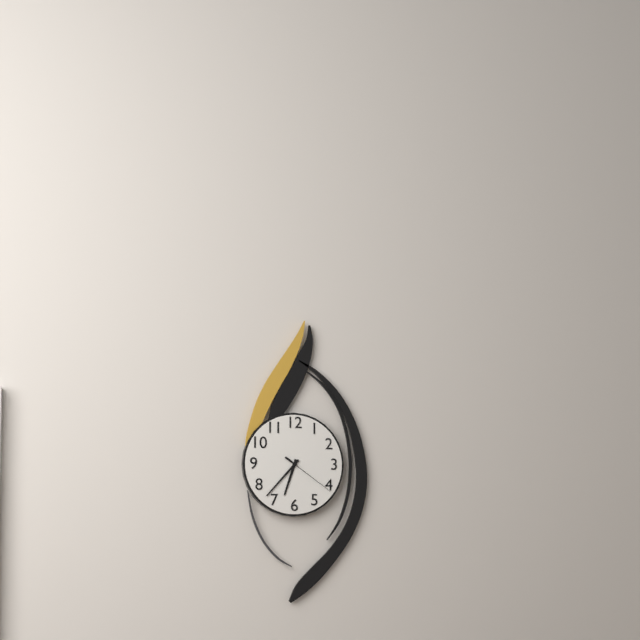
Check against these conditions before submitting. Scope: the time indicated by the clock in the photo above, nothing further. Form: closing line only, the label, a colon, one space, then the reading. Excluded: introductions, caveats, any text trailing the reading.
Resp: 6:37:21
